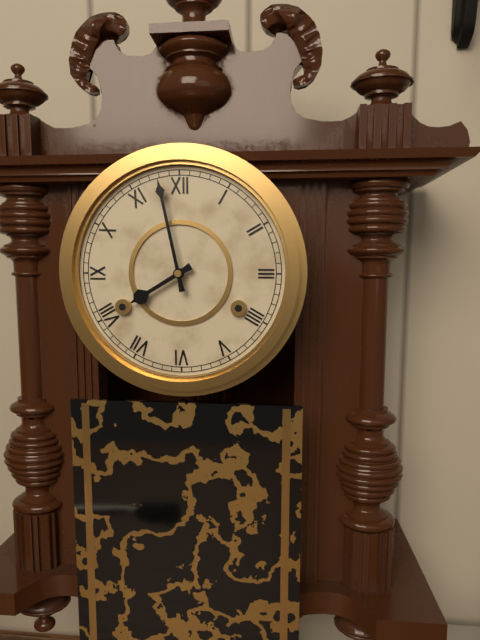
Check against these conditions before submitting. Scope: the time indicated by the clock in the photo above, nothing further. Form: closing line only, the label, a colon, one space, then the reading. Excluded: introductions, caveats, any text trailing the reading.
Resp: 7:58
